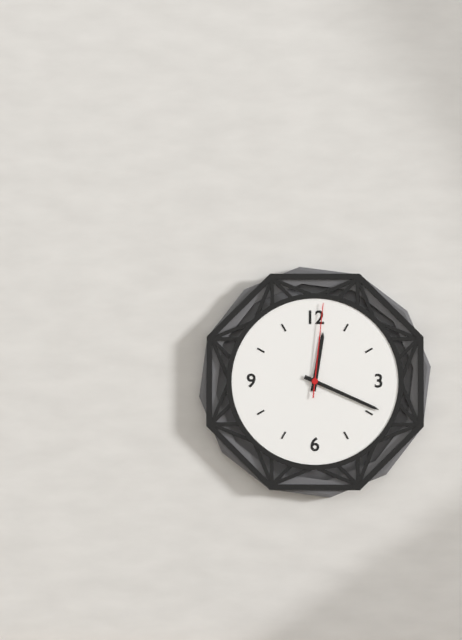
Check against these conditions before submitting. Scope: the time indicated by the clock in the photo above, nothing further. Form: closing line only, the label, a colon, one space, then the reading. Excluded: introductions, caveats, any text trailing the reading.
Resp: 12:19:01
